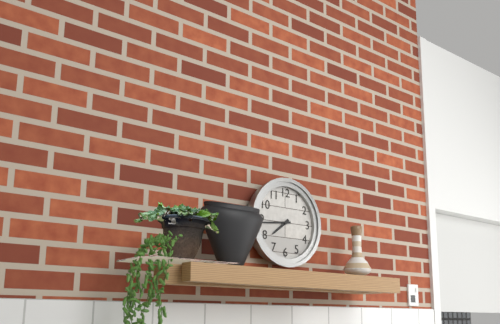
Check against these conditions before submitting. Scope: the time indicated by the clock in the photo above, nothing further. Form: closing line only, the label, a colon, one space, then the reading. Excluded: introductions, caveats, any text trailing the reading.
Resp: 7:44
